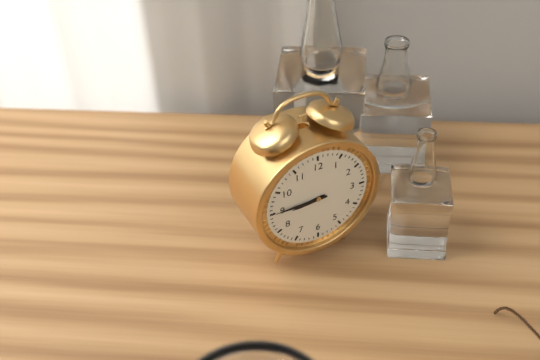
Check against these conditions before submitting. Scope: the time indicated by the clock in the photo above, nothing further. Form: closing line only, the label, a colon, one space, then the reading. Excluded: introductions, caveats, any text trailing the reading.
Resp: 8:45
